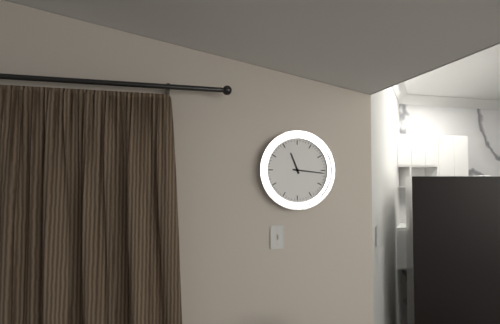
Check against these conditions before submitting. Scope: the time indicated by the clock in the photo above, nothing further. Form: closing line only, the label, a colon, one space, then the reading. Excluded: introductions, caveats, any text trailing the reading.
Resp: 11:16
